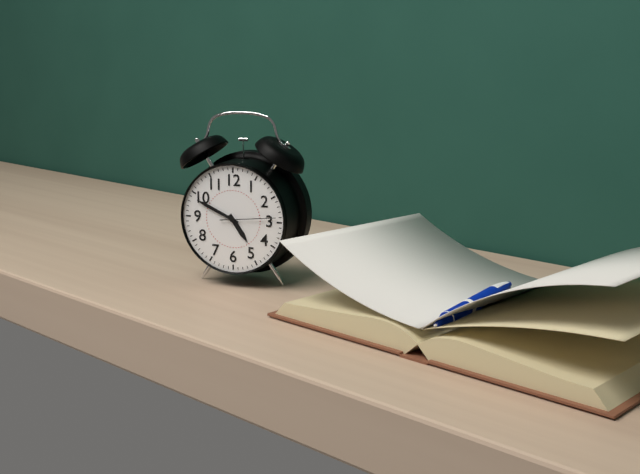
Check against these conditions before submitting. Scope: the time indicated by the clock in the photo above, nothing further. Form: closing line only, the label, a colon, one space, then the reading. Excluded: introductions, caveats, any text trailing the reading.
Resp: 4:49
